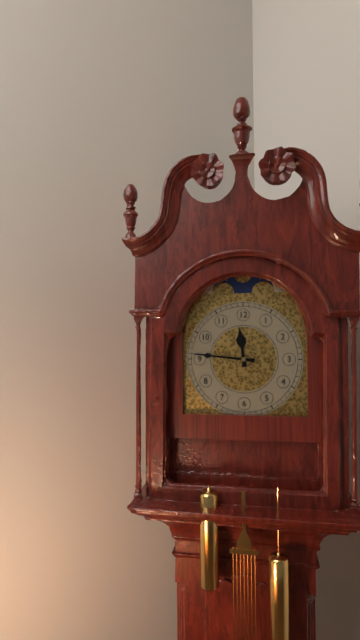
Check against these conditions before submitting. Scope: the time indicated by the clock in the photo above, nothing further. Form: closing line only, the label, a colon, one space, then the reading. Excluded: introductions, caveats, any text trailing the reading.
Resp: 11:46
